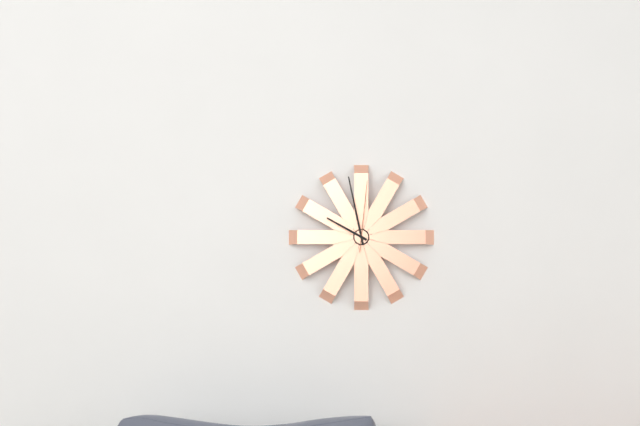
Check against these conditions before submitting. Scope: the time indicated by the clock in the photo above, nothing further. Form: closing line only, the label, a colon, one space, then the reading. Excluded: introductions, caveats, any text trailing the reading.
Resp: 9:58:01
